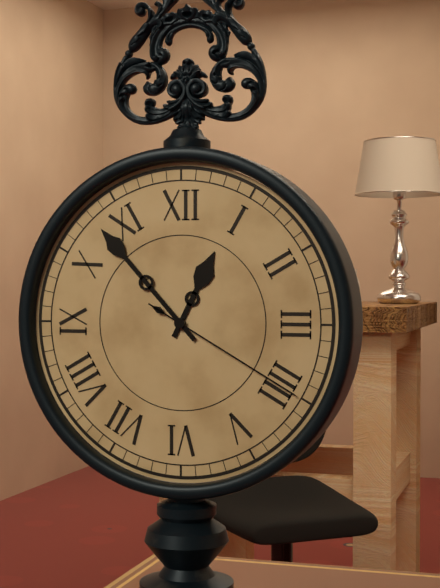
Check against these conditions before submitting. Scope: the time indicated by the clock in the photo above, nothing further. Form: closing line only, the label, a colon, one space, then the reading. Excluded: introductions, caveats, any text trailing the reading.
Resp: 12:53:20
